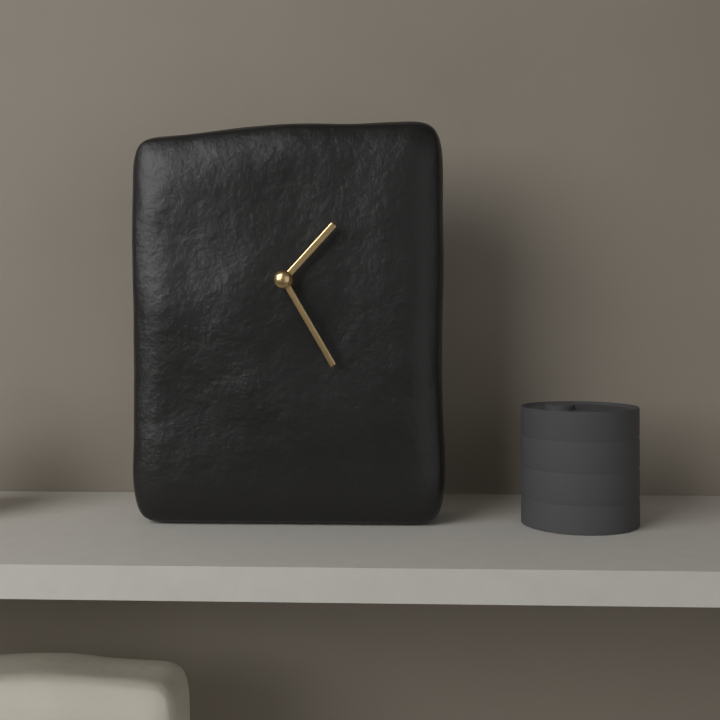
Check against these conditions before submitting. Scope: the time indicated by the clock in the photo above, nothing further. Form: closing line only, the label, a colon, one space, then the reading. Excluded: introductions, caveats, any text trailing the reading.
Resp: 1:25
